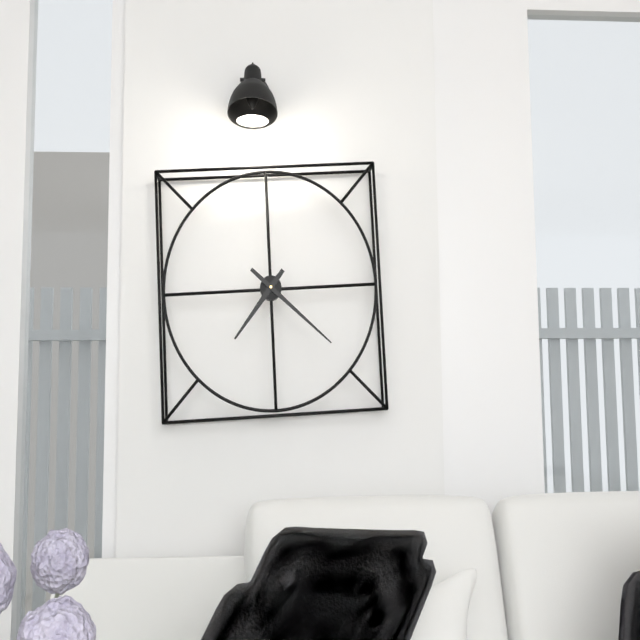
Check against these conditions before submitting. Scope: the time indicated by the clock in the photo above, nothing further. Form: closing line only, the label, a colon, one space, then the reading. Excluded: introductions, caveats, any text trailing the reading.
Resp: 7:22
